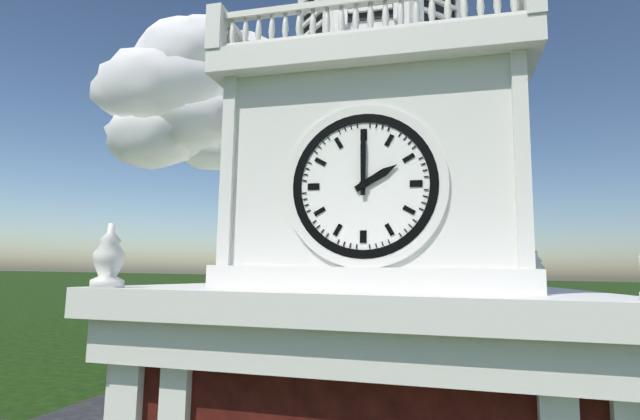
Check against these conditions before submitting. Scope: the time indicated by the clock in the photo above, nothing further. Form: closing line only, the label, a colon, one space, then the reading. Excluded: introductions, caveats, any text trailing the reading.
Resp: 2:00
